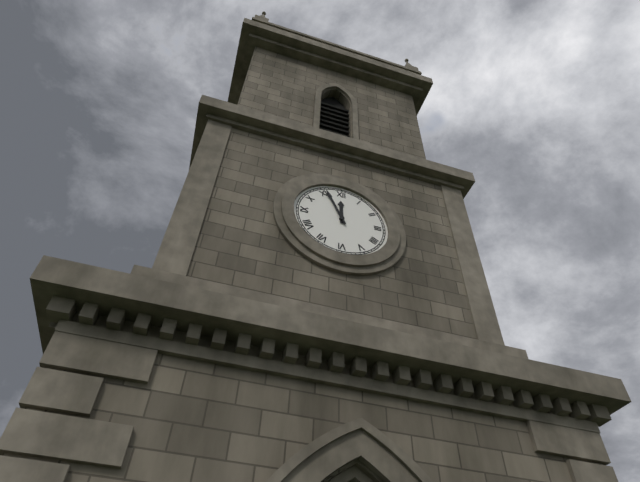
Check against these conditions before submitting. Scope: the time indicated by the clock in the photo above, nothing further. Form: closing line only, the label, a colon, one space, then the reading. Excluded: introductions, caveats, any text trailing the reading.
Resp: 11:56
